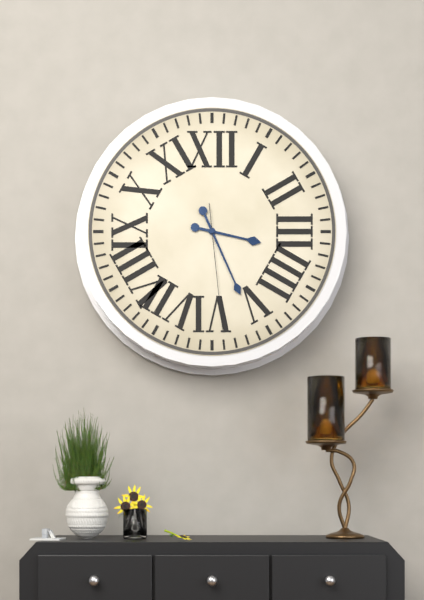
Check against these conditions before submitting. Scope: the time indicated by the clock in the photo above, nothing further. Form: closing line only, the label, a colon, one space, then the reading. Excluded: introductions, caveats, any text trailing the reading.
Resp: 3:26:29
